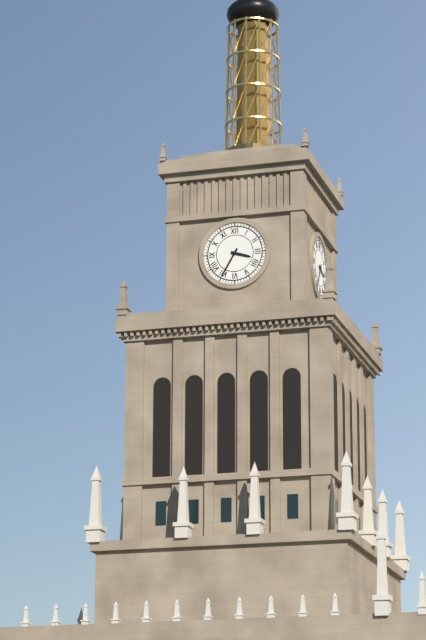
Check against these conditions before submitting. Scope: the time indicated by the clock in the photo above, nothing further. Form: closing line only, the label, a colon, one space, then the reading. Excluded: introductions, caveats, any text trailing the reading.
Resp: 3:35
